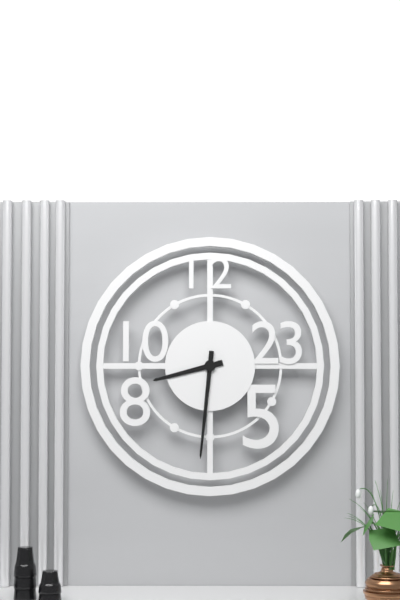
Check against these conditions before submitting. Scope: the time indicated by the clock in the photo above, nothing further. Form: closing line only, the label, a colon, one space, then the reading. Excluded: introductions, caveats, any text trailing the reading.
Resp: 8:31
